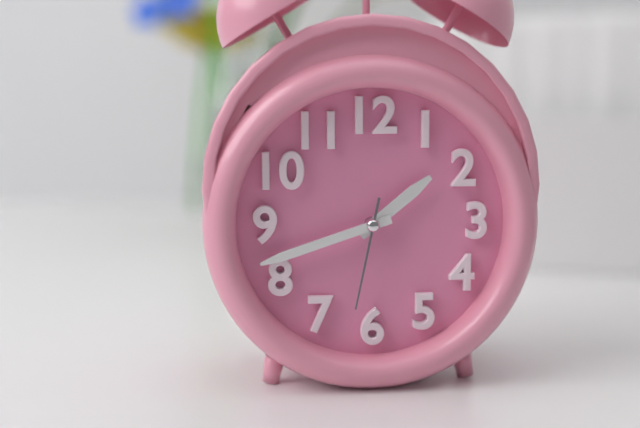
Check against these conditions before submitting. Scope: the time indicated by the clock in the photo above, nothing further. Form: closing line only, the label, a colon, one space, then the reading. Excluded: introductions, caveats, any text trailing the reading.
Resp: 1:42:32
